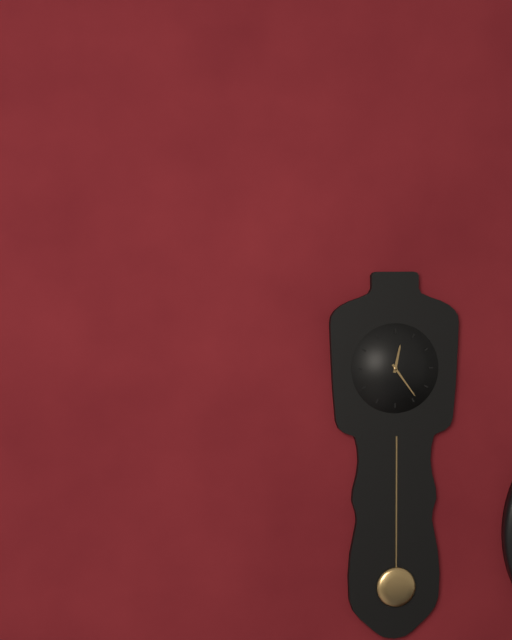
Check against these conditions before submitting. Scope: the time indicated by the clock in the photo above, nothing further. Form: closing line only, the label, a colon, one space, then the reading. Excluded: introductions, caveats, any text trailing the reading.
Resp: 12:24
